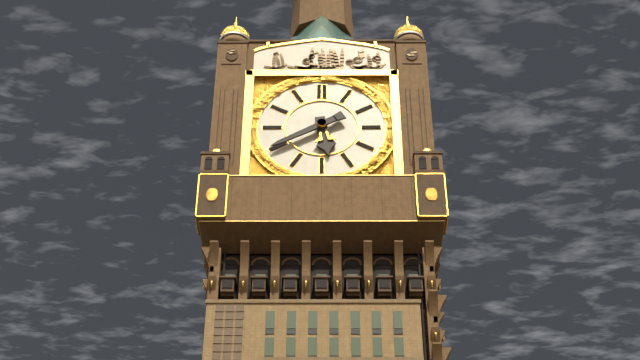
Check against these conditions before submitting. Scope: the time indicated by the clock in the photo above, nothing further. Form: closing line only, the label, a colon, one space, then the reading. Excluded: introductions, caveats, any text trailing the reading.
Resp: 5:40
